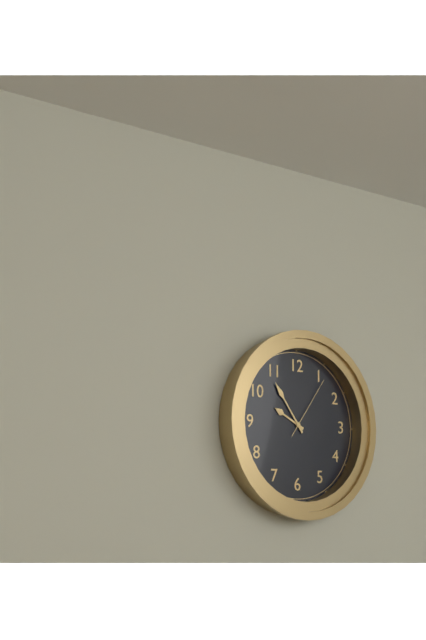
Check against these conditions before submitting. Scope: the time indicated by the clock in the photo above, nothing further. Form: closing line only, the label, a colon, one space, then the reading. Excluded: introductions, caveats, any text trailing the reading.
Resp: 9:54:06
